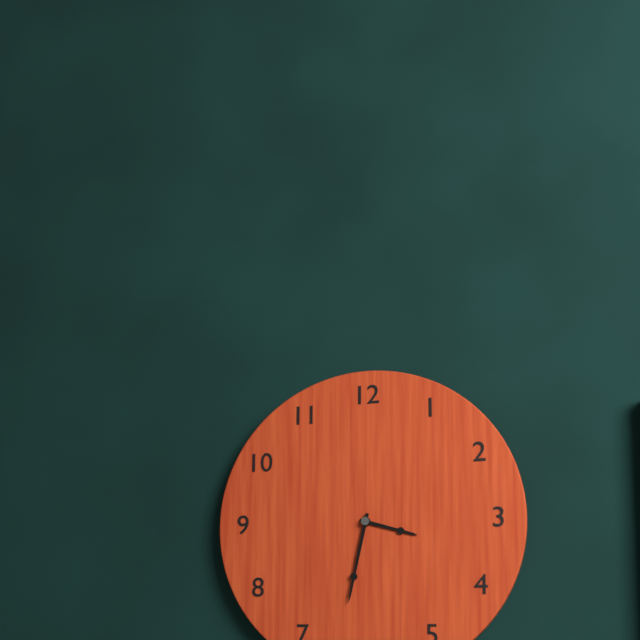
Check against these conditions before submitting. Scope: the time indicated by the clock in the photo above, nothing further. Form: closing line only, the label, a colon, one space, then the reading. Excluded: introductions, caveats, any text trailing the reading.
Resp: 3:32
